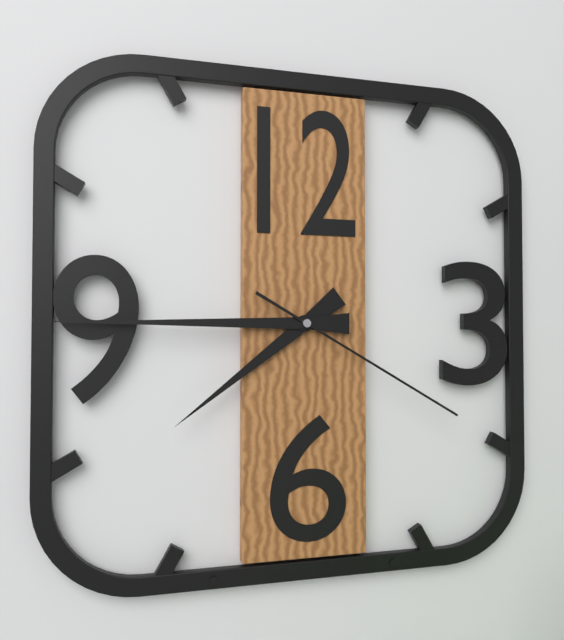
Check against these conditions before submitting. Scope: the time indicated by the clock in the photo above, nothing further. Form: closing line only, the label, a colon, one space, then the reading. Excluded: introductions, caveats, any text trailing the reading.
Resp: 7:45:20
